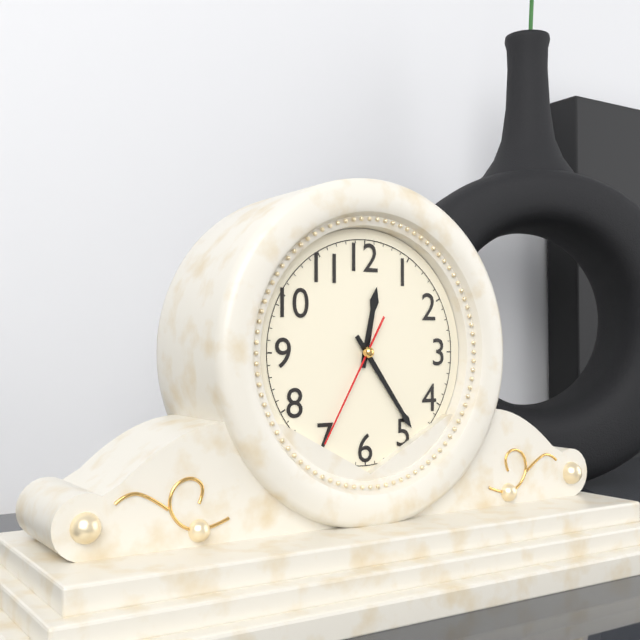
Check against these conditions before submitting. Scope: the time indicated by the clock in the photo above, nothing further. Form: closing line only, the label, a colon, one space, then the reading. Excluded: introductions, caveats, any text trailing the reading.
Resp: 12:24:35
